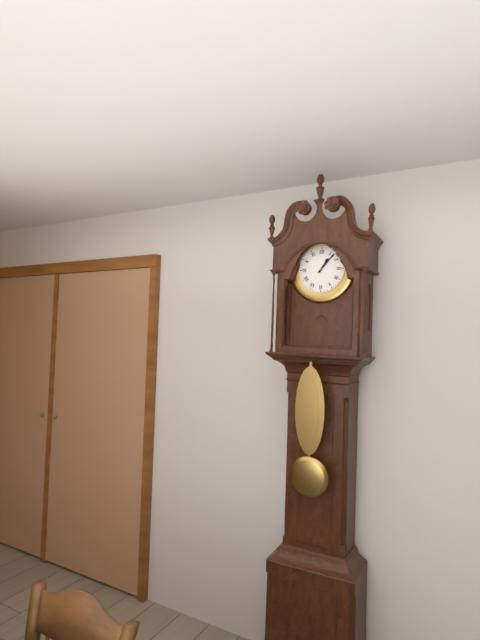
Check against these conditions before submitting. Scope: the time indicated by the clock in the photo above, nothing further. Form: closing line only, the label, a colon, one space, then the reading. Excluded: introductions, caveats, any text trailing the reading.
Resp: 1:07
